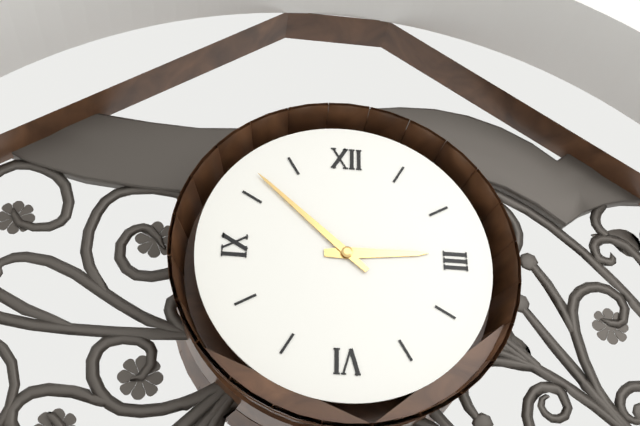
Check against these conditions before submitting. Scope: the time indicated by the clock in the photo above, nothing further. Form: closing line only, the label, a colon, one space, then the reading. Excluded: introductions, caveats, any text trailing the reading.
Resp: 2:52
